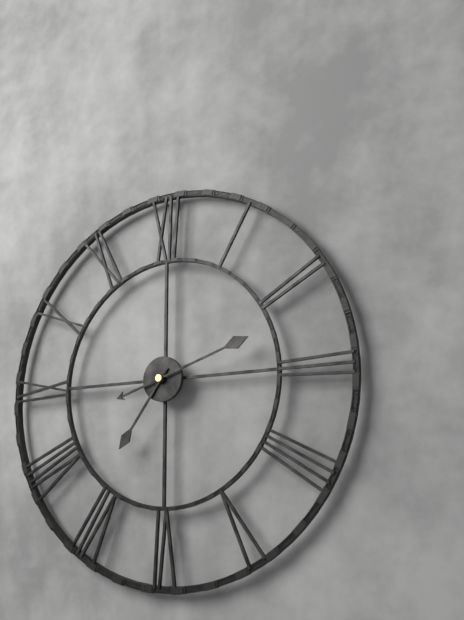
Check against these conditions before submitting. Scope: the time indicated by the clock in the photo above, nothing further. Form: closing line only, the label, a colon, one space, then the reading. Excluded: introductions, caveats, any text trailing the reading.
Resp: 7:12
